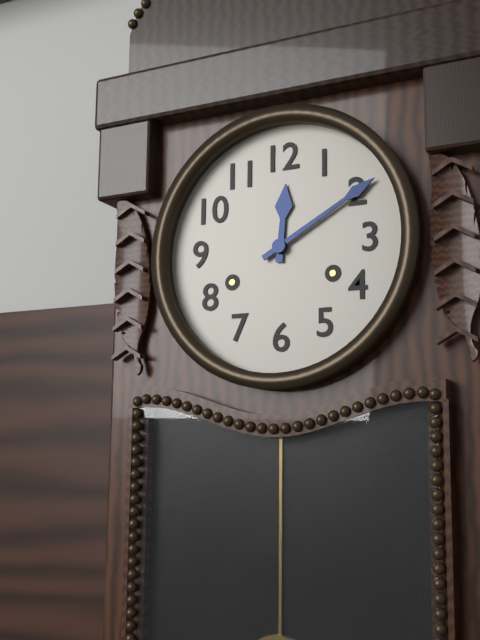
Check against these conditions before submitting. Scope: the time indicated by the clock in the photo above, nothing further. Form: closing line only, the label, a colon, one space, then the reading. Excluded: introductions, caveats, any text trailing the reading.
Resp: 12:10
